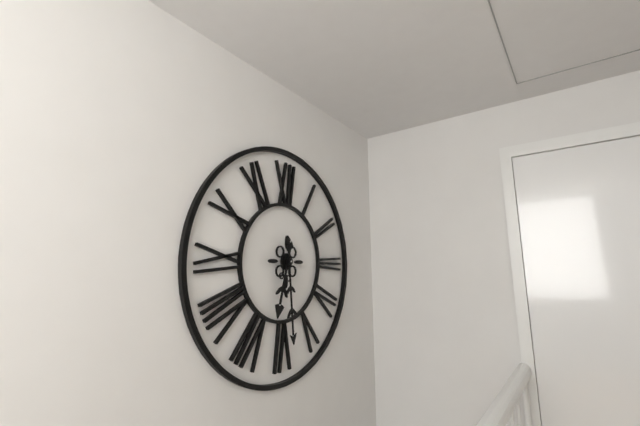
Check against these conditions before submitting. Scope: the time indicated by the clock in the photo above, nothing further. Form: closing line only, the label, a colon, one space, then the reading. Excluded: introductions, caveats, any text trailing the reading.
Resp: 6:29
